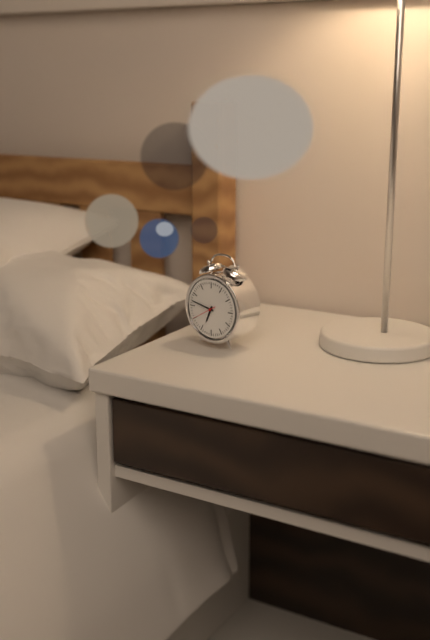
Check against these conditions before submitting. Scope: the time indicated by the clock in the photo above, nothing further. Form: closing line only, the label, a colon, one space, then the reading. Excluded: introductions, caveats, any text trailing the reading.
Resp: 6:47
